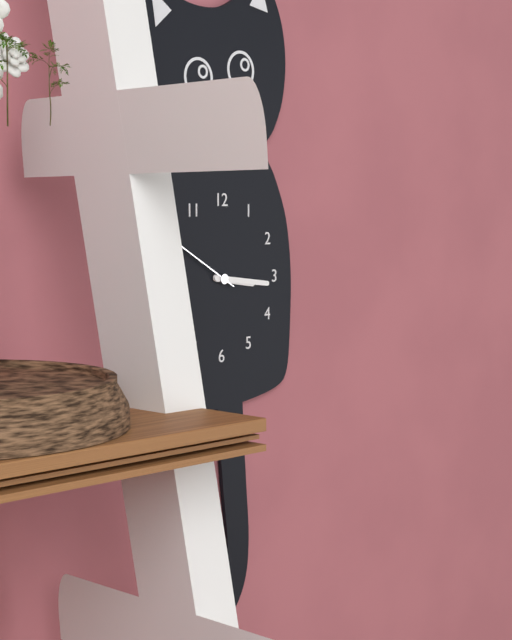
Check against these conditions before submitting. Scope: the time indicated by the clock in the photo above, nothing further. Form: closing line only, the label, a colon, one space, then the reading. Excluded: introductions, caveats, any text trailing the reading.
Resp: 3:16:50
